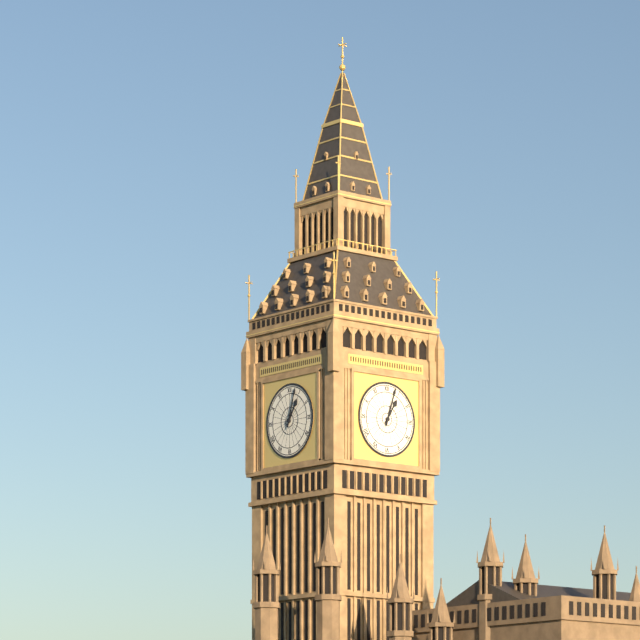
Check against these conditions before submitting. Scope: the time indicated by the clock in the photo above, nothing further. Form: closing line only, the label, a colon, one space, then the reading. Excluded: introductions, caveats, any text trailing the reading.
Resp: 1:03
